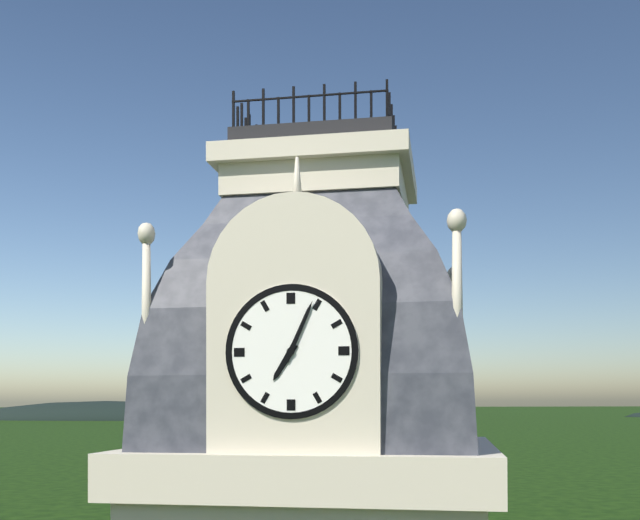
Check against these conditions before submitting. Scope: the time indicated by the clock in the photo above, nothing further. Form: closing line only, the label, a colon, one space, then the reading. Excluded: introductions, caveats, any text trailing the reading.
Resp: 7:04
